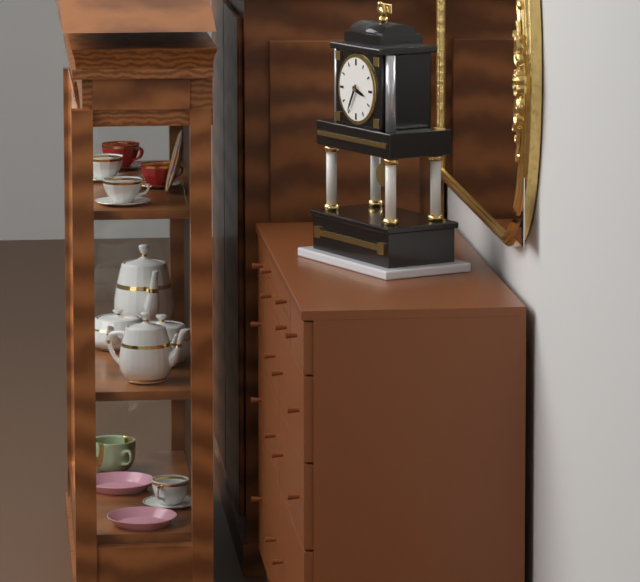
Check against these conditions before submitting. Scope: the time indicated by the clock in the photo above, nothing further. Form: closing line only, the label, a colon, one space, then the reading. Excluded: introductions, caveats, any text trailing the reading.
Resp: 3:35
